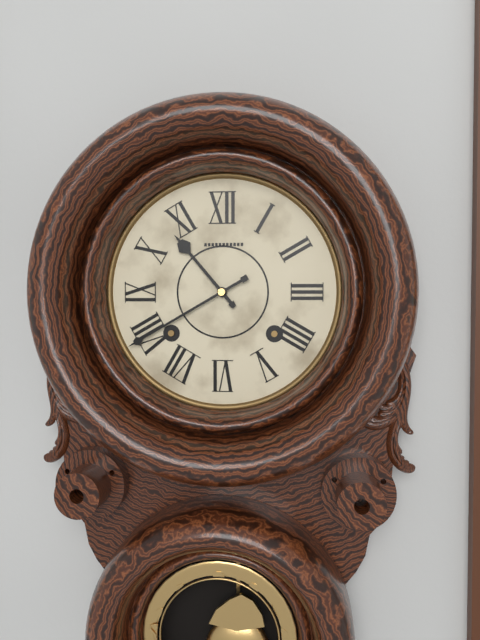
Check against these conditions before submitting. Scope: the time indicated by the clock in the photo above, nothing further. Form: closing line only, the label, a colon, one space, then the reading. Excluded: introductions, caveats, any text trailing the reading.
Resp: 10:40
